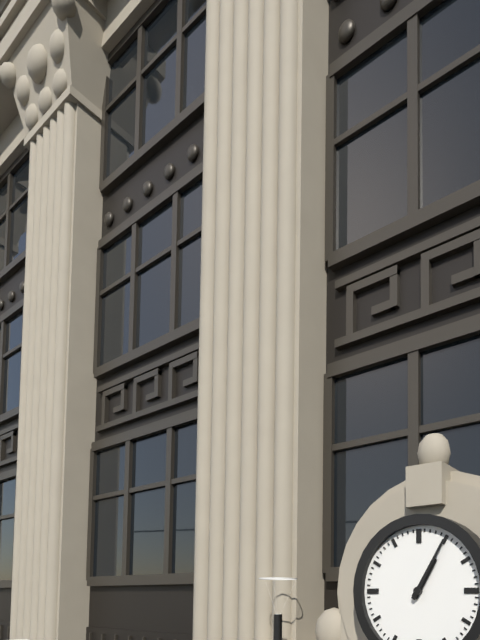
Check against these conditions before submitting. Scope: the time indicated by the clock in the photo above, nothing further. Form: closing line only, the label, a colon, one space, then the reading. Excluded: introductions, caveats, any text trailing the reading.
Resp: 1:05
